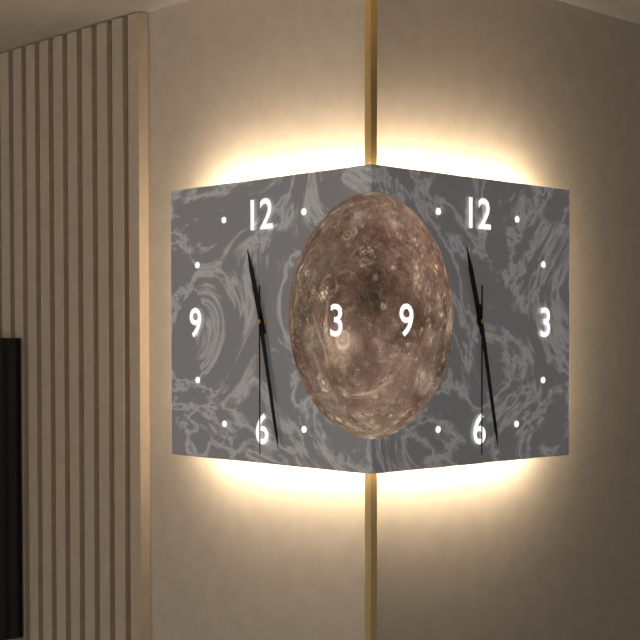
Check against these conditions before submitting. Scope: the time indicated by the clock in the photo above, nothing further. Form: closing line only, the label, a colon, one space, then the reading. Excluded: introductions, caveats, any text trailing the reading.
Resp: 11:28:30
